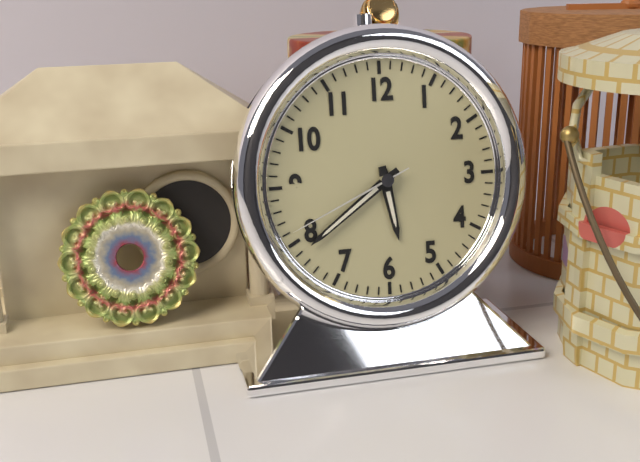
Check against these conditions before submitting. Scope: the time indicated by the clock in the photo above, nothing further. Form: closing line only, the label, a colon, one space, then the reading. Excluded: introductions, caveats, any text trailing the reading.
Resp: 5:39:41
